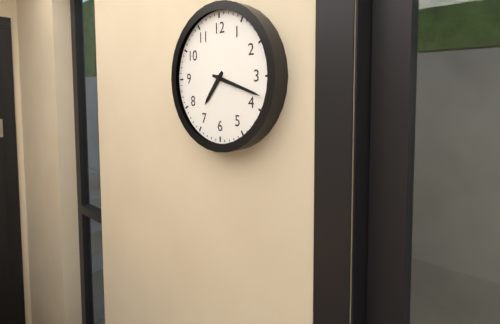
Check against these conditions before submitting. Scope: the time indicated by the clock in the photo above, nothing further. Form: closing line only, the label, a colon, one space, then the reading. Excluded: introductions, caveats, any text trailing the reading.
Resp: 7:18
